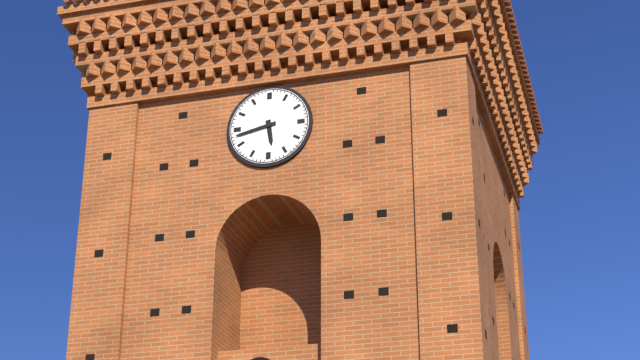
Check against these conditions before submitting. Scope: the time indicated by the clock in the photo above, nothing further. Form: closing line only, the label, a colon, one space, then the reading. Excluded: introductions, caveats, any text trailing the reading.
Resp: 5:43
